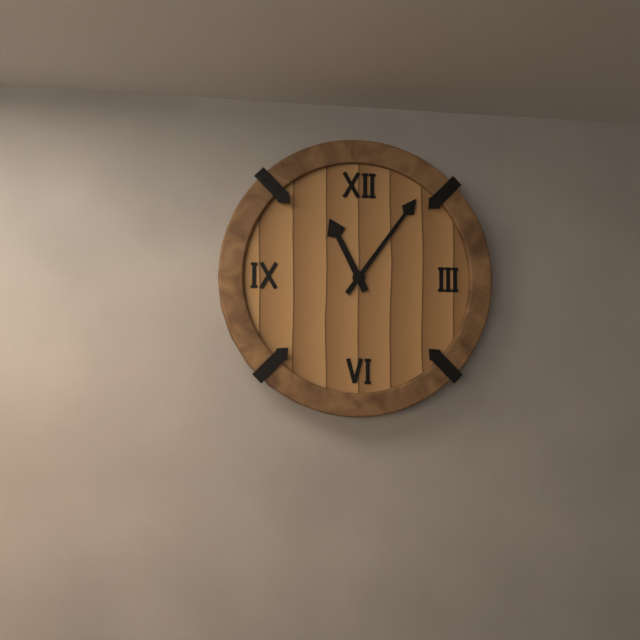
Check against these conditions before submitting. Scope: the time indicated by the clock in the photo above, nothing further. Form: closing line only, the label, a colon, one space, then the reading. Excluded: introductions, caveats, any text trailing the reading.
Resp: 11:06
